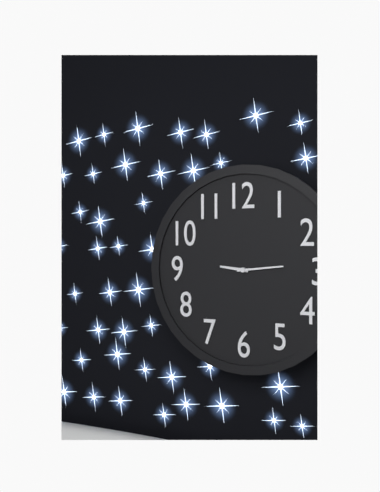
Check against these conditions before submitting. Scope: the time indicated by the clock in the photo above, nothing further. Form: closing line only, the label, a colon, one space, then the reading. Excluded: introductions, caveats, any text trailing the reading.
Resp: 9:14
